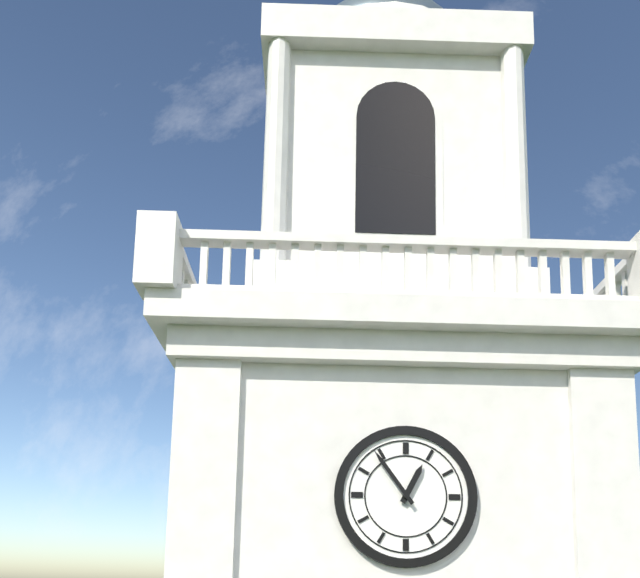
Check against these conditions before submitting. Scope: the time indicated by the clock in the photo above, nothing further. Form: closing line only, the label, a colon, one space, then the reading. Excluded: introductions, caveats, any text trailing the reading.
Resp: 12:54
